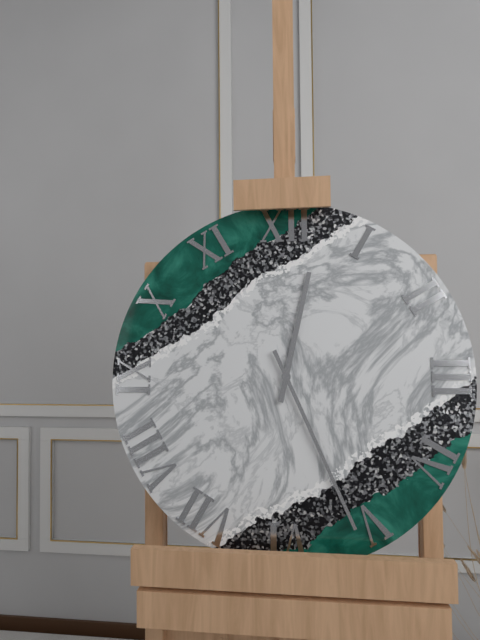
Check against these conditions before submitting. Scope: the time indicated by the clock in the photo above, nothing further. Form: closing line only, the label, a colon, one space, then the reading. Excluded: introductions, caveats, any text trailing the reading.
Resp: 12:26
